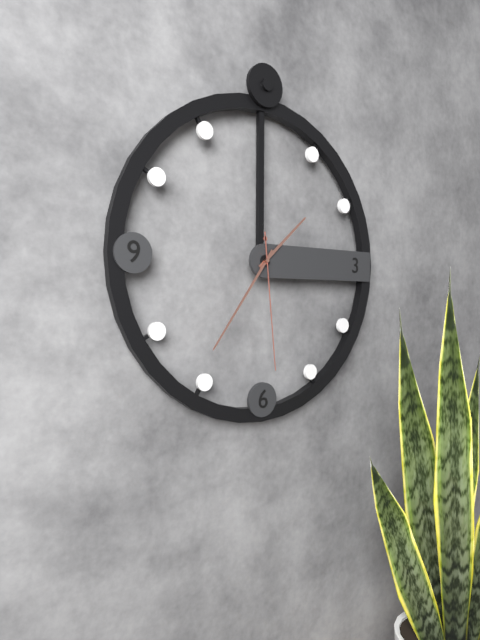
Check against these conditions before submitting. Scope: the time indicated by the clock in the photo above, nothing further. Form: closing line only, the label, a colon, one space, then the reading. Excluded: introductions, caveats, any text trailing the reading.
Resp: 1:36:29
